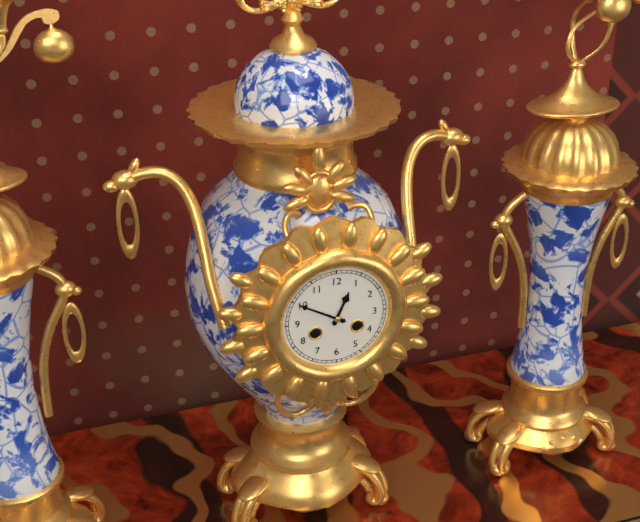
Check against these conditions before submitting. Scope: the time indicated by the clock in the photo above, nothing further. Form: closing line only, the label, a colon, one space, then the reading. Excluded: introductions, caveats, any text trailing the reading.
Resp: 12:50
